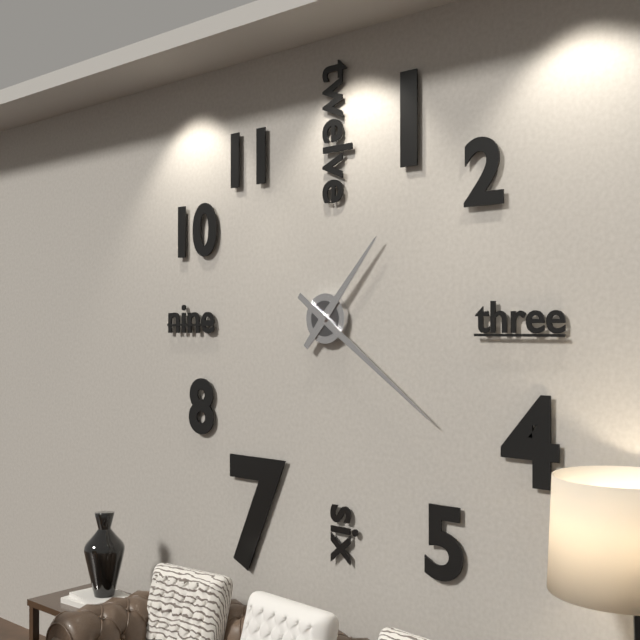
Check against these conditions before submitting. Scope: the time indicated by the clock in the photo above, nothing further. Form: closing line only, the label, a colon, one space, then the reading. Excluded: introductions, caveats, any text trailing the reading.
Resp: 1:21
